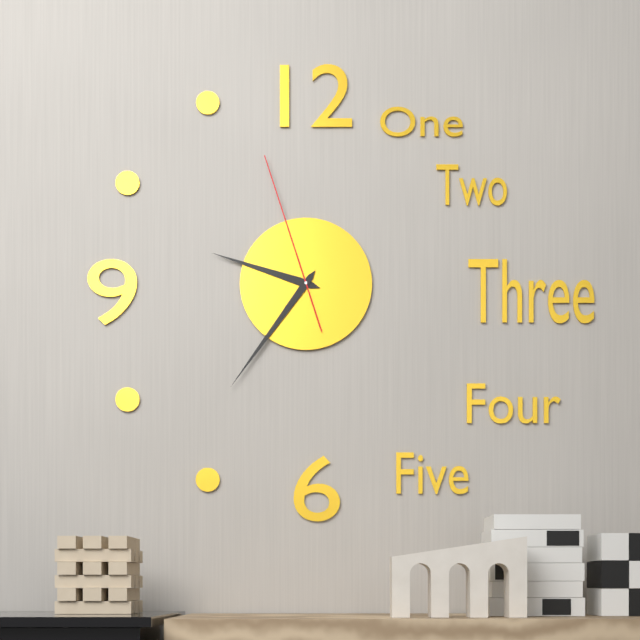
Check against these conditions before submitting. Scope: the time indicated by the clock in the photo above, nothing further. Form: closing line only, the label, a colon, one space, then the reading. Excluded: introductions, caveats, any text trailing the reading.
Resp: 9:36:57
